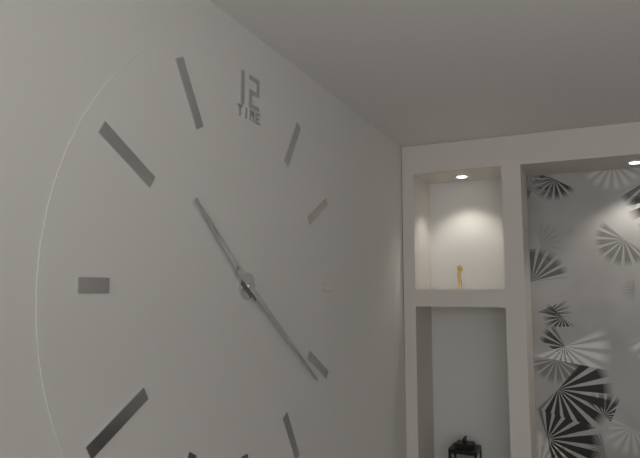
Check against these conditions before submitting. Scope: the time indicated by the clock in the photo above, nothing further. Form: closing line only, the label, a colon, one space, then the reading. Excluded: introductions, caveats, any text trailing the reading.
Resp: 10:21
